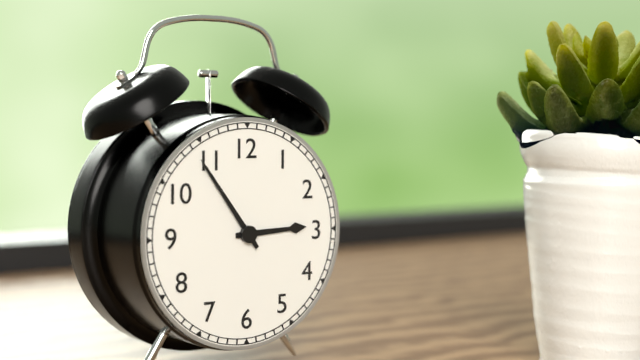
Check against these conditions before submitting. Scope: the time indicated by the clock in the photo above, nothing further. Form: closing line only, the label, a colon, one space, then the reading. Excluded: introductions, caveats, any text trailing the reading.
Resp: 2:54
